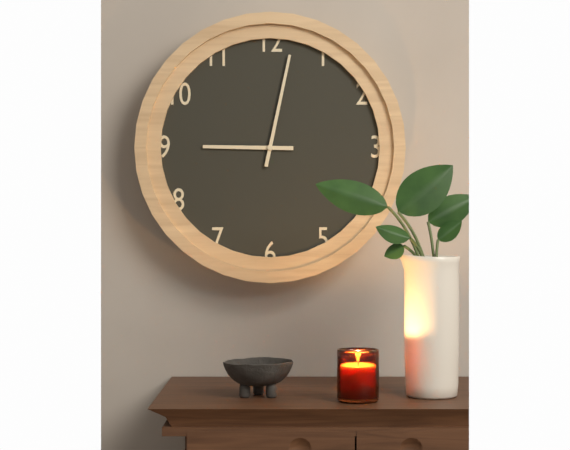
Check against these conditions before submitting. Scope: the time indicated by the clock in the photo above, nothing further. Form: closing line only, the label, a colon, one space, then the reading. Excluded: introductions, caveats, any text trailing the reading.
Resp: 9:02
